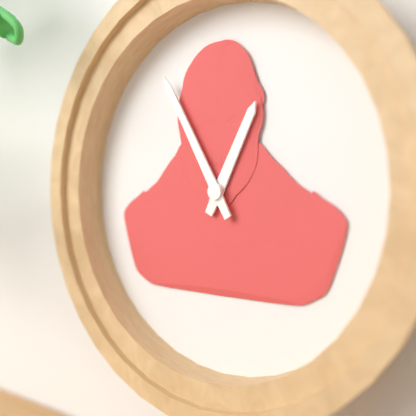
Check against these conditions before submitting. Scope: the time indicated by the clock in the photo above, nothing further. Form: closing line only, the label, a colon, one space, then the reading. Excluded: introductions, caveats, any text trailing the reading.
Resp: 12:55
